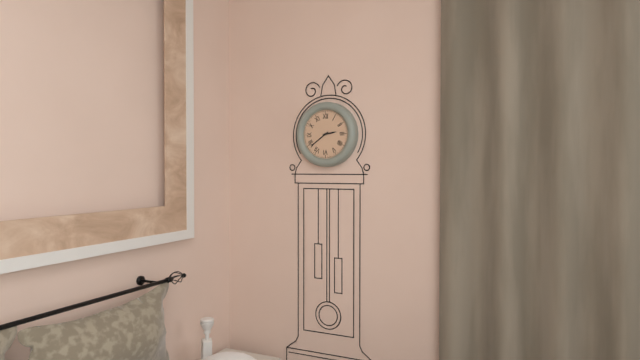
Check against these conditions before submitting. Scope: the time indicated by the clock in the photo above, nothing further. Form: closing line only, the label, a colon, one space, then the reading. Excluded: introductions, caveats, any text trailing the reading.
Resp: 2:39
